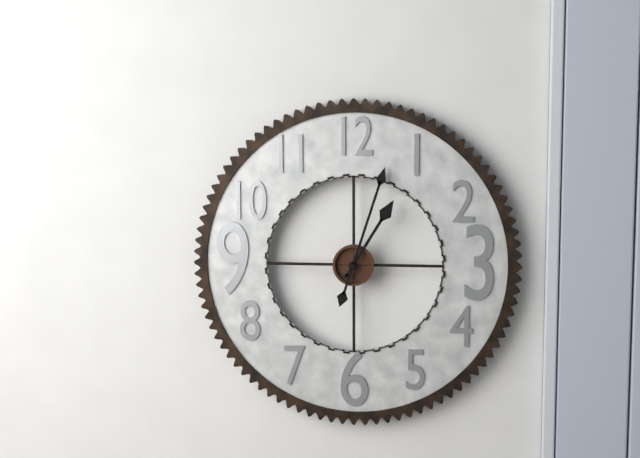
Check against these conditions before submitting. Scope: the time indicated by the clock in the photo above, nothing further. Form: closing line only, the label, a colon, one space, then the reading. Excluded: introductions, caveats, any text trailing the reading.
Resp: 1:03
